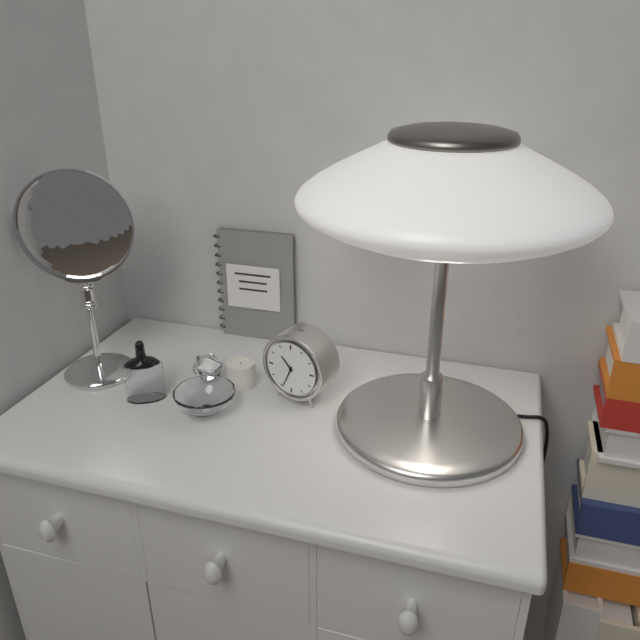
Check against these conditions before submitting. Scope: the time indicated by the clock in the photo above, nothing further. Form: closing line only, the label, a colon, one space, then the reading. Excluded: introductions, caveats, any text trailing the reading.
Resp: 10:34
